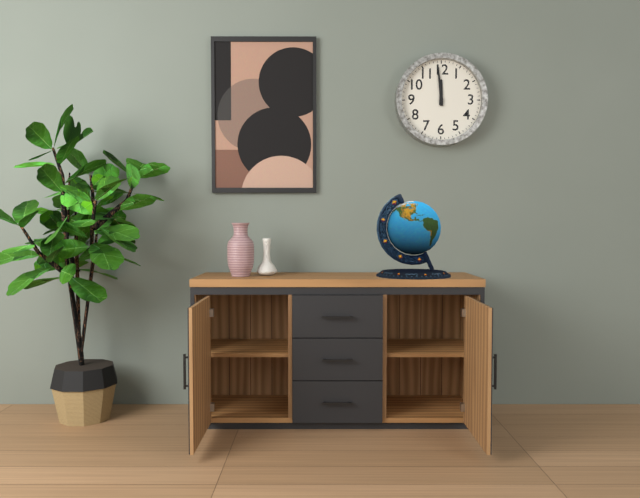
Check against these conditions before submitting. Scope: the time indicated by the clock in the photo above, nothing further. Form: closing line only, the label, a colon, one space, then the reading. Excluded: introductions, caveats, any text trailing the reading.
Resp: 11:59
